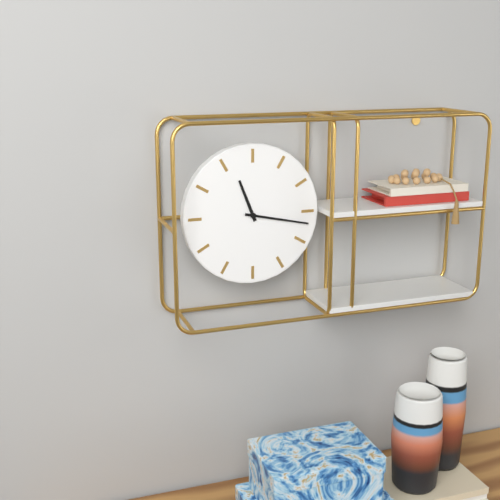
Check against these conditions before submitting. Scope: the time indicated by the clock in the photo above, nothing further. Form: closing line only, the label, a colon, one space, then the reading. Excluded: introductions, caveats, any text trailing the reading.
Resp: 11:17
